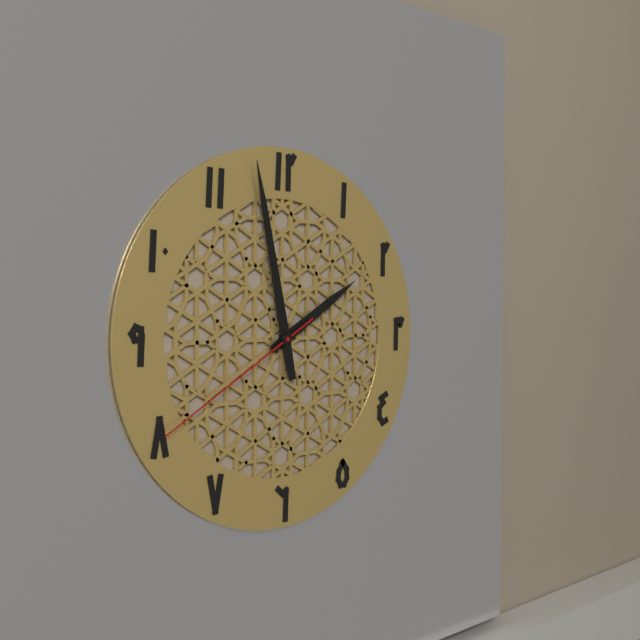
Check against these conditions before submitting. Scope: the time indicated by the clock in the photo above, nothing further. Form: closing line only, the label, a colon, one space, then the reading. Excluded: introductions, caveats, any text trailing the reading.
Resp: 1:58:40
